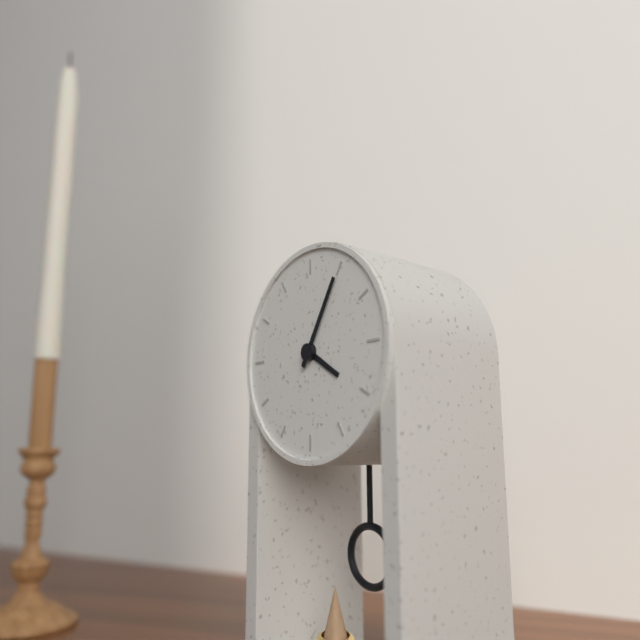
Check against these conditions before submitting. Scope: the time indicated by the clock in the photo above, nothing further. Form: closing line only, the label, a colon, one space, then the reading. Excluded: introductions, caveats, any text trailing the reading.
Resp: 4:05
